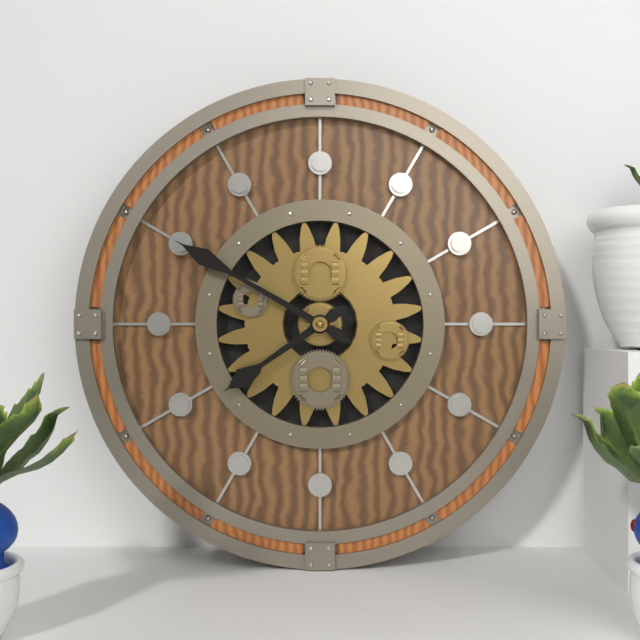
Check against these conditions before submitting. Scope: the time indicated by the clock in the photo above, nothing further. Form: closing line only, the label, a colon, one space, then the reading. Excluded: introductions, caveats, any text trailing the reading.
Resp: 7:50
